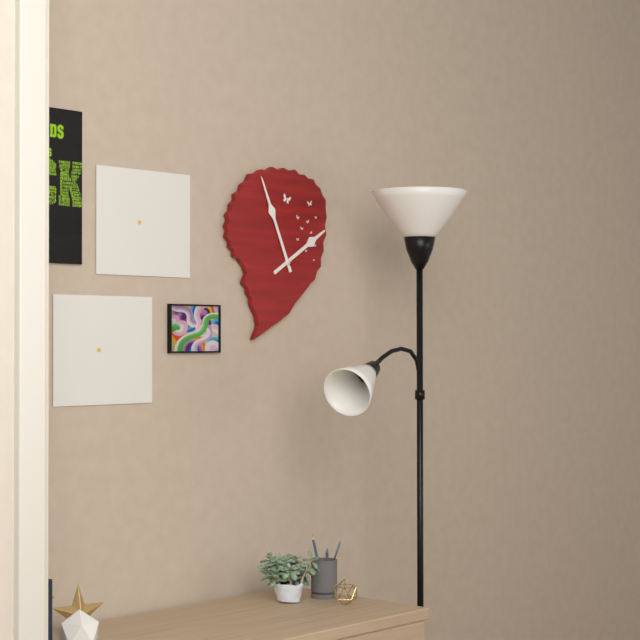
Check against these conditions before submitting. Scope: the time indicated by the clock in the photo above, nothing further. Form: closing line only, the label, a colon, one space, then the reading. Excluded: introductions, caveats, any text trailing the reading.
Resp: 1:56
